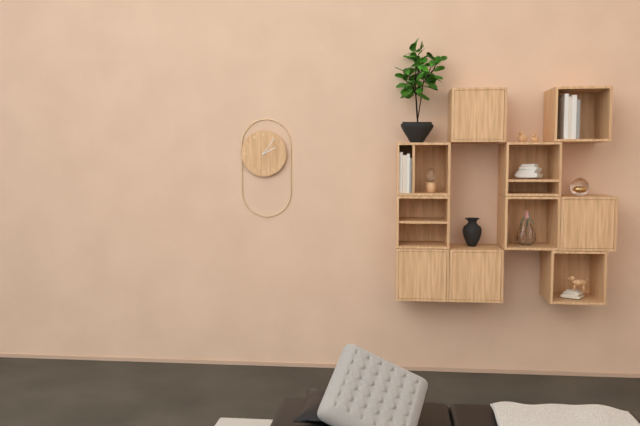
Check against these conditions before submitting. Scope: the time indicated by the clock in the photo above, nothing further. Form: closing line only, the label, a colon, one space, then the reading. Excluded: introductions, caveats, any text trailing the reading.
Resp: 2:06
